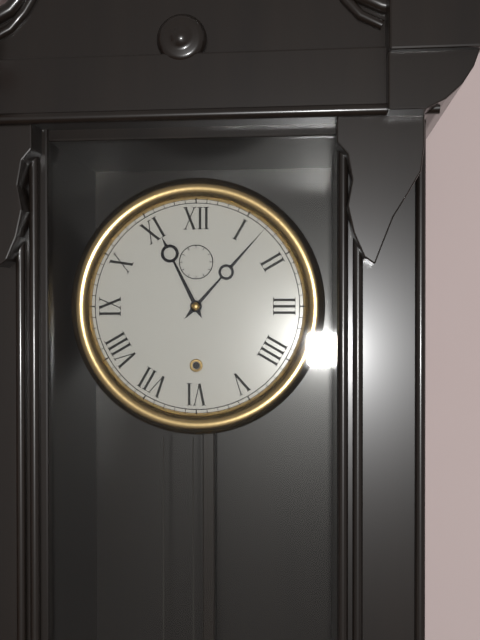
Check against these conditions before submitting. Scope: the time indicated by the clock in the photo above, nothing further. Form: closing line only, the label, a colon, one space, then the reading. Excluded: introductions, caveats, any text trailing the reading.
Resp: 11:07
